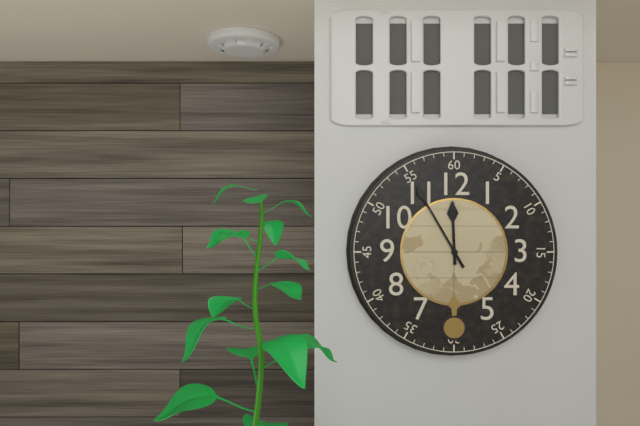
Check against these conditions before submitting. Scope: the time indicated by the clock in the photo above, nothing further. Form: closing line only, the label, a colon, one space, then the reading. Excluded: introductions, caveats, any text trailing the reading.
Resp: 11:55
